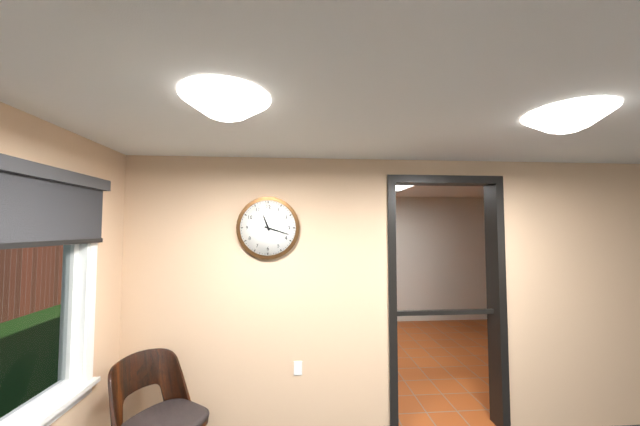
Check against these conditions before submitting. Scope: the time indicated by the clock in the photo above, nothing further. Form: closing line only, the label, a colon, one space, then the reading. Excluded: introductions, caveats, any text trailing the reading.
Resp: 11:18
